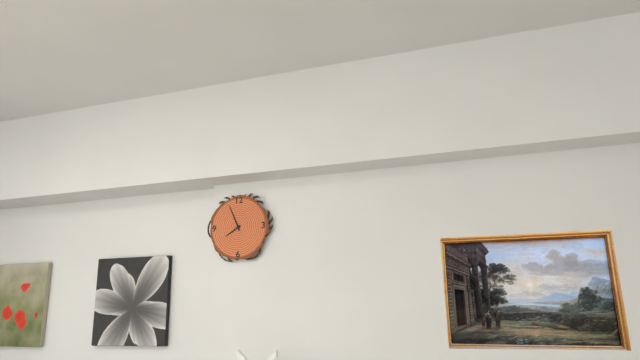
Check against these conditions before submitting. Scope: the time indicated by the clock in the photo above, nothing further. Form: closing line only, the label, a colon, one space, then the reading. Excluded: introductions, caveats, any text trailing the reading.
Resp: 7:56
